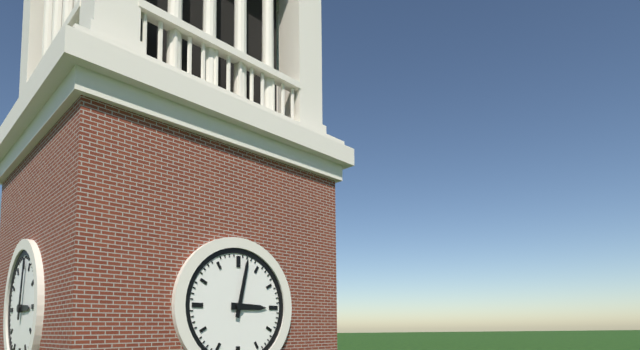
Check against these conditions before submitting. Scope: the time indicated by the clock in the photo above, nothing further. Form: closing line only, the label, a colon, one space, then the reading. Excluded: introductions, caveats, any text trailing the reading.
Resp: 3:02
